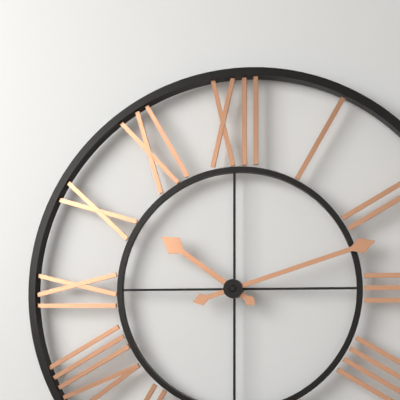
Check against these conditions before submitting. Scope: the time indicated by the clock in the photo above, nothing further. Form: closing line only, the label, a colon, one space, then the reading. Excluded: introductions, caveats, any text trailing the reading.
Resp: 10:12
